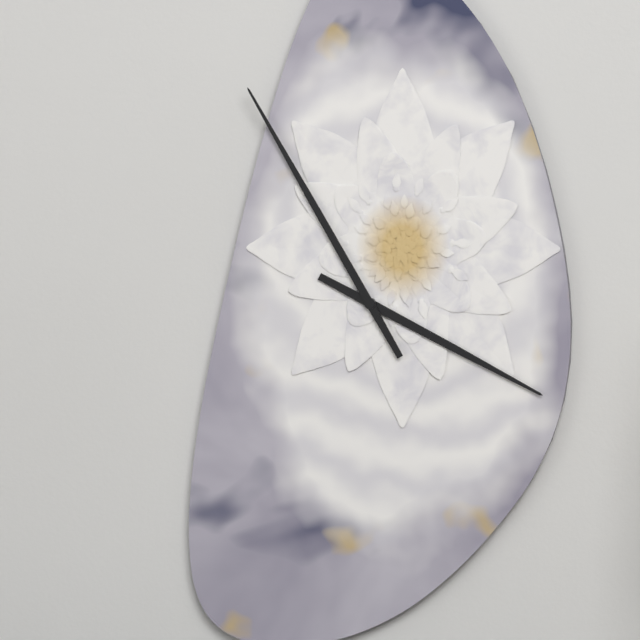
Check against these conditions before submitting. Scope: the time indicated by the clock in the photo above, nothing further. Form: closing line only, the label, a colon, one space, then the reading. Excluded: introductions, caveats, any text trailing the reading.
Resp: 3:55
